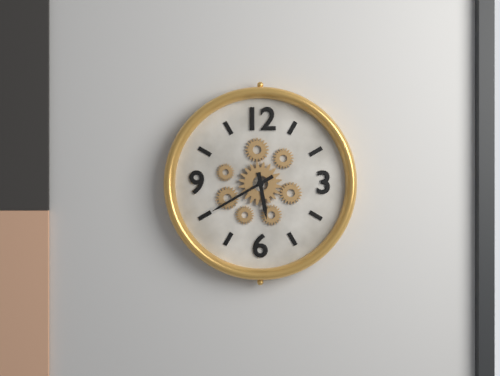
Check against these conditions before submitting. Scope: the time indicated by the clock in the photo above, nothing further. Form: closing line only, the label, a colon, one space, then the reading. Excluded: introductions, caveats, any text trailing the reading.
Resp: 5:40
